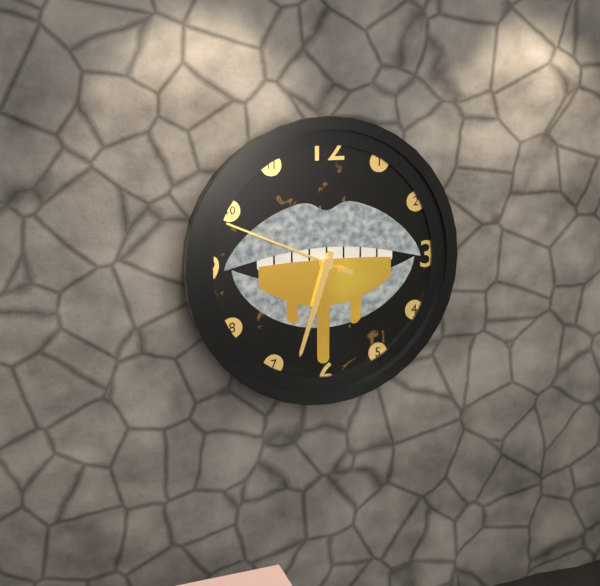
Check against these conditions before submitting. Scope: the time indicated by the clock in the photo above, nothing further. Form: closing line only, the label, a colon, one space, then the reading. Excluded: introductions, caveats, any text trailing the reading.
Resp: 6:33:49
